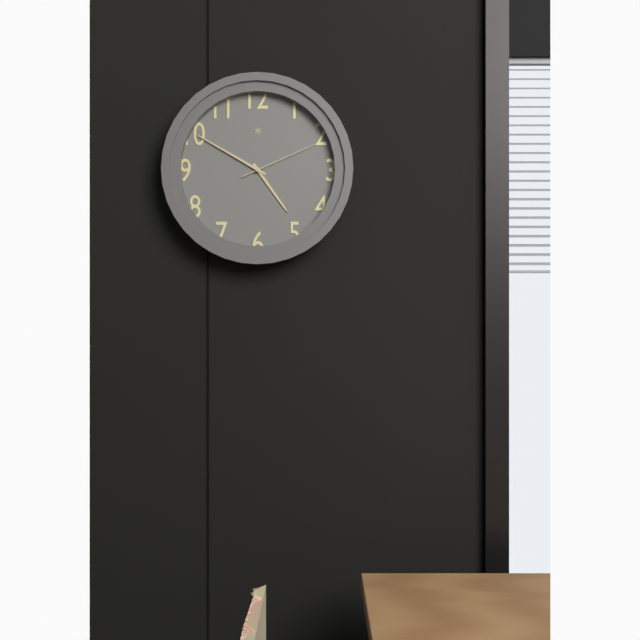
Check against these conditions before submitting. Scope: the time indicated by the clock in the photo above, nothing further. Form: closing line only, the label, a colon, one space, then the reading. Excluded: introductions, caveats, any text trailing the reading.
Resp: 4:50:11
